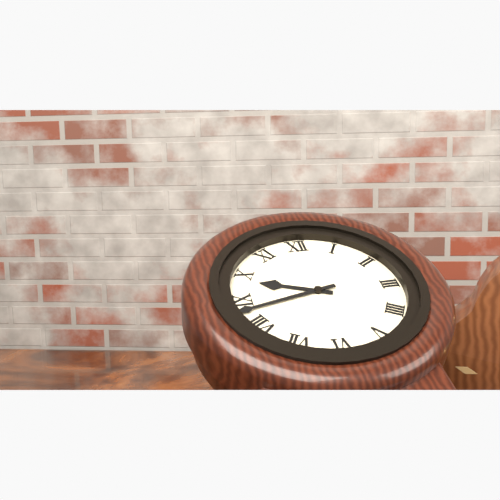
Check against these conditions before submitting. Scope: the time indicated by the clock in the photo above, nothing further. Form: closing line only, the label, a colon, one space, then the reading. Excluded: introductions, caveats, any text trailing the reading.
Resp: 9:43
